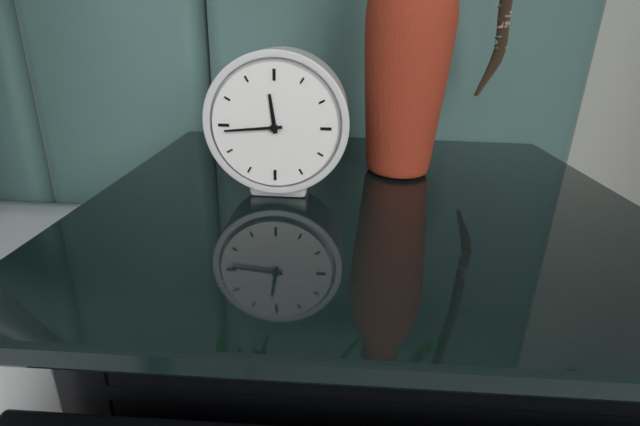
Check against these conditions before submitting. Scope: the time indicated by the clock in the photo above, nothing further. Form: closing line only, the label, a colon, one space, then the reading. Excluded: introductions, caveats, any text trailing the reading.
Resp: 11:44
